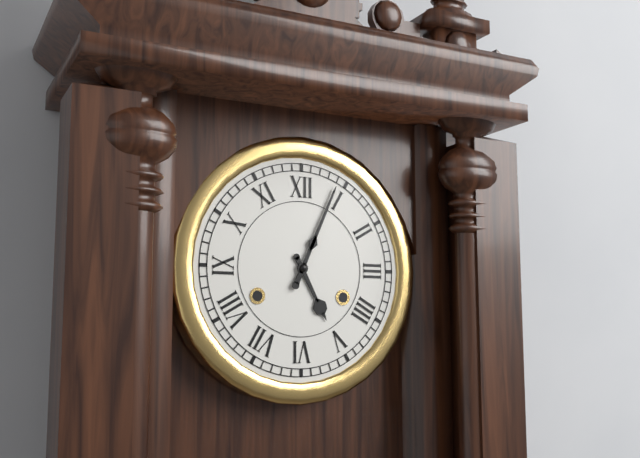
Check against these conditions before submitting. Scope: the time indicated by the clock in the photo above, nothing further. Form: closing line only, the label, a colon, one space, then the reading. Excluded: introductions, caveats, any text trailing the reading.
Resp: 5:04
